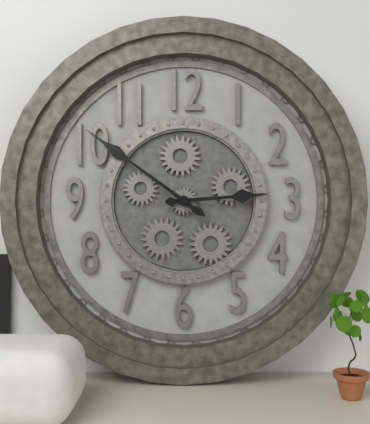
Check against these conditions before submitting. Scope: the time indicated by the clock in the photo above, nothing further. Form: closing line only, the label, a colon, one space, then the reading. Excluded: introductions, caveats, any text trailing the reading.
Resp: 2:51
